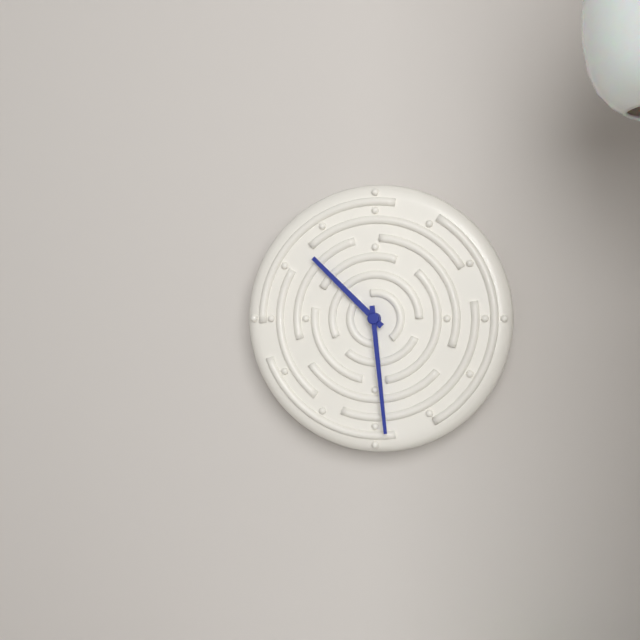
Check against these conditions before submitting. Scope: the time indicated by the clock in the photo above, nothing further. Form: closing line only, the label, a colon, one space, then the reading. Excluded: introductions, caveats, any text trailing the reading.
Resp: 10:29
